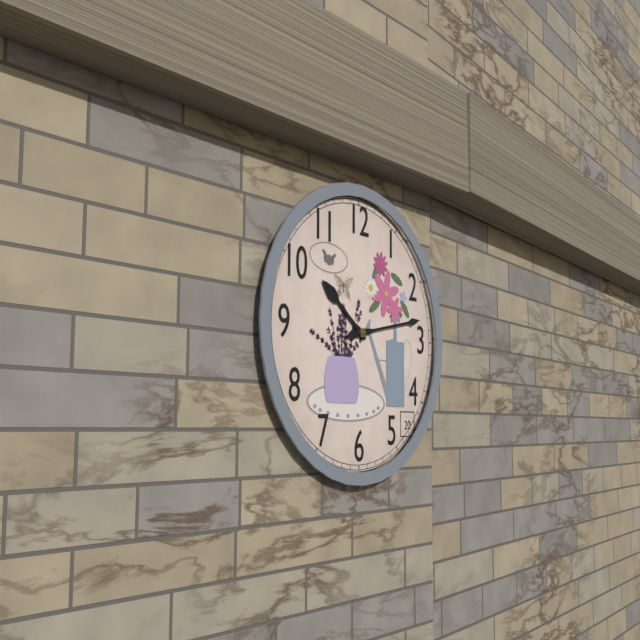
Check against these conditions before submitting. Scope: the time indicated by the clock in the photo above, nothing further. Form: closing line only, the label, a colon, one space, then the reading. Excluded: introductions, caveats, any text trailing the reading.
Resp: 10:13
